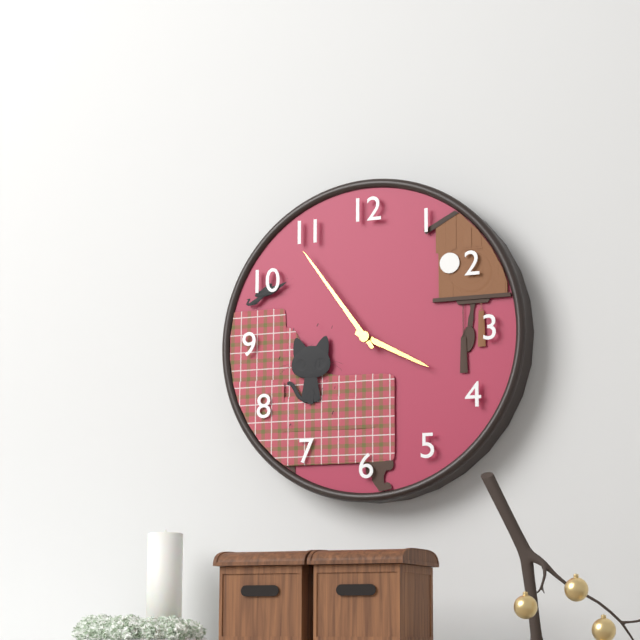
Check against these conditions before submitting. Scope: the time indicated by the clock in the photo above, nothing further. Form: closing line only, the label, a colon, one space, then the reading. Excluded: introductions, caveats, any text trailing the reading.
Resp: 3:54
